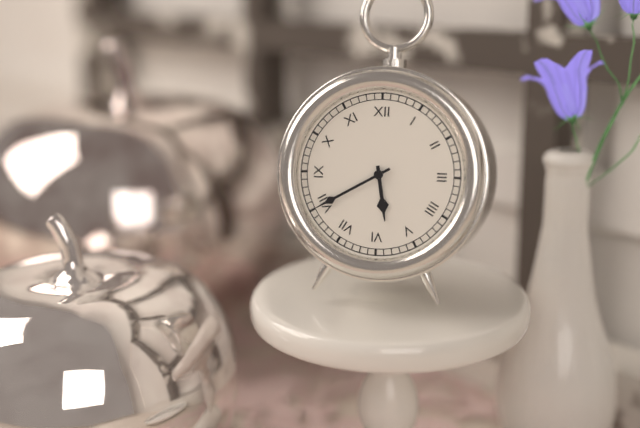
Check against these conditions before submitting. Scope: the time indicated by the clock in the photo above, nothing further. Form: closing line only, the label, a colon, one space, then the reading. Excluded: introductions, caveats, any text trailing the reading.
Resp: 5:40
